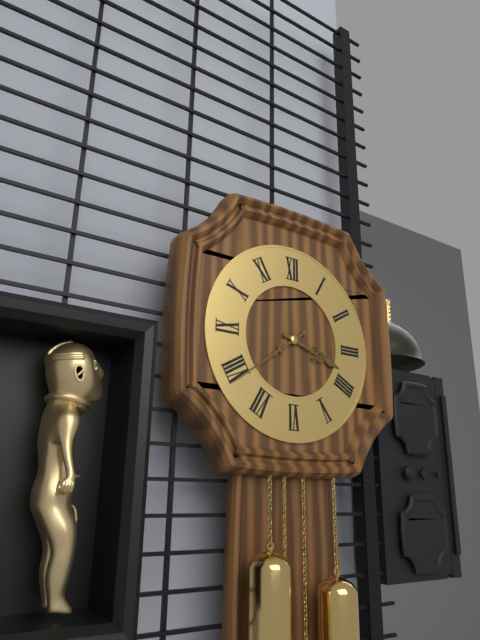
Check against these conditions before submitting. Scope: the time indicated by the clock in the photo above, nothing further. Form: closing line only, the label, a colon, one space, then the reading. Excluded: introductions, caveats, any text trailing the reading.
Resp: 3:39
